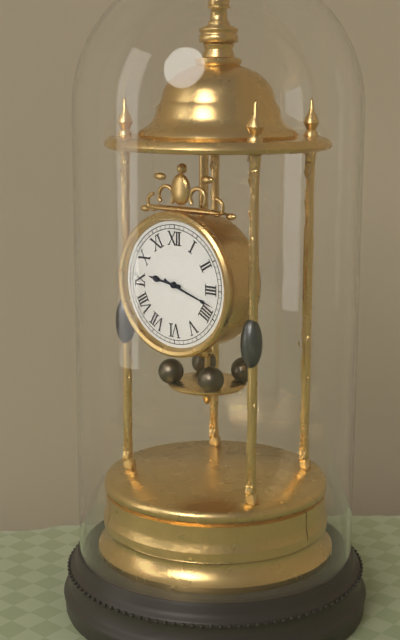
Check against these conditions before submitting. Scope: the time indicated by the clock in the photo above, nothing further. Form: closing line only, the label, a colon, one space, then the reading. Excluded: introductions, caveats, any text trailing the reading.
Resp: 9:18
